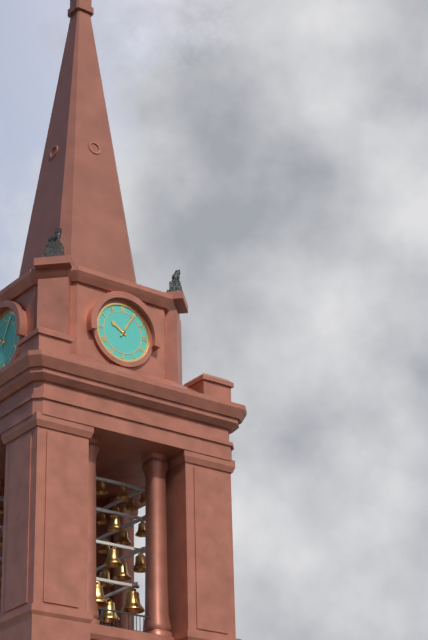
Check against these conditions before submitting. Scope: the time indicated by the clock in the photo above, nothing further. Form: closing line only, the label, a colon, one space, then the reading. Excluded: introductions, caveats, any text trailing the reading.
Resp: 10:05
